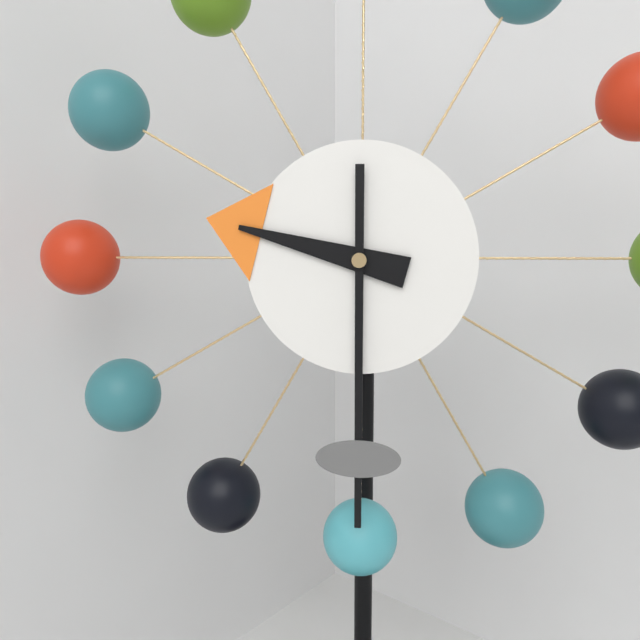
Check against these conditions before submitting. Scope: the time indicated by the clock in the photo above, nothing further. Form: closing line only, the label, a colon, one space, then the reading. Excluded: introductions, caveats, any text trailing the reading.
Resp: 9:30
